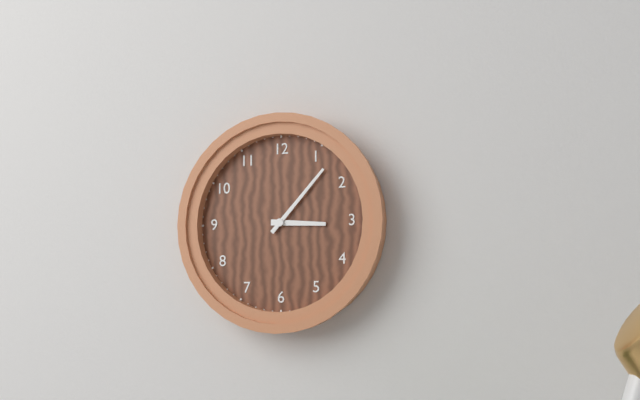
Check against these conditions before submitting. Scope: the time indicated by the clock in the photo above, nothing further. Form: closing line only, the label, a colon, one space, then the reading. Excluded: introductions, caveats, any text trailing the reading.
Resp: 3:07
